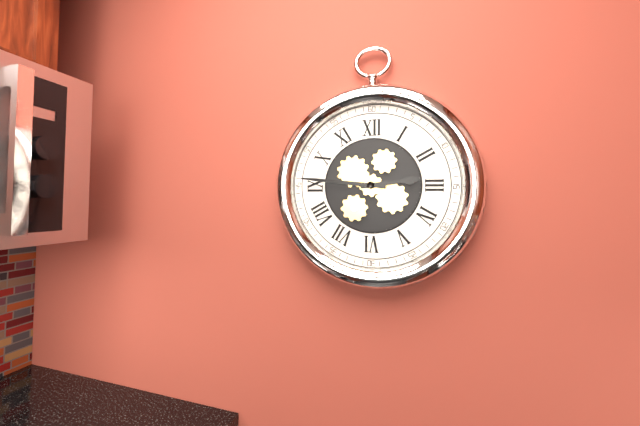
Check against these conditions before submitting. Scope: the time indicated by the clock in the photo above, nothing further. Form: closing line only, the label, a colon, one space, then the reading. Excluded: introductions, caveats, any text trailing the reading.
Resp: 2:46
